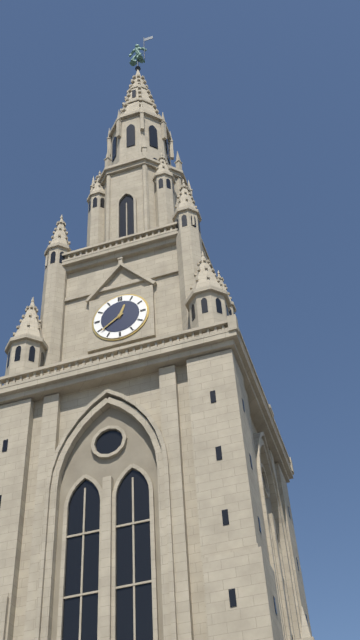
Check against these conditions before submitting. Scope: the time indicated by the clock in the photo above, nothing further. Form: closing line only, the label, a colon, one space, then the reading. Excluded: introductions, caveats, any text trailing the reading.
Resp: 12:39
